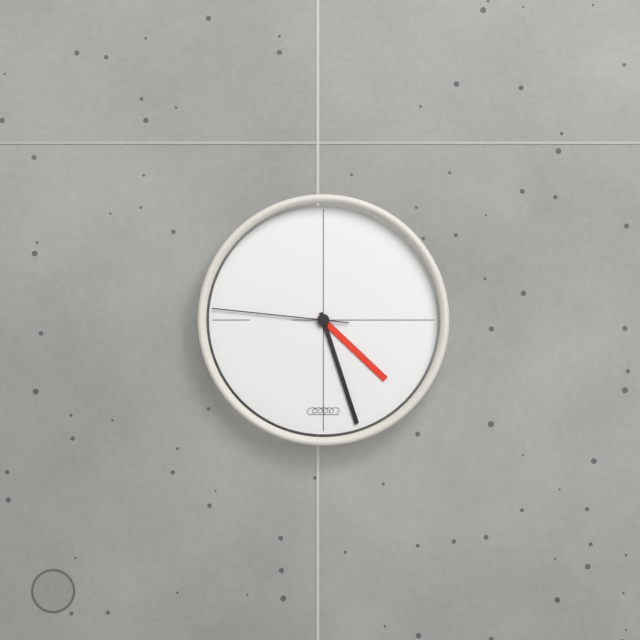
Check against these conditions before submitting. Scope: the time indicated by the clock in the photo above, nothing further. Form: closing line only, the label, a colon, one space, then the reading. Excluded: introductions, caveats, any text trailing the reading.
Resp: 4:27:46
